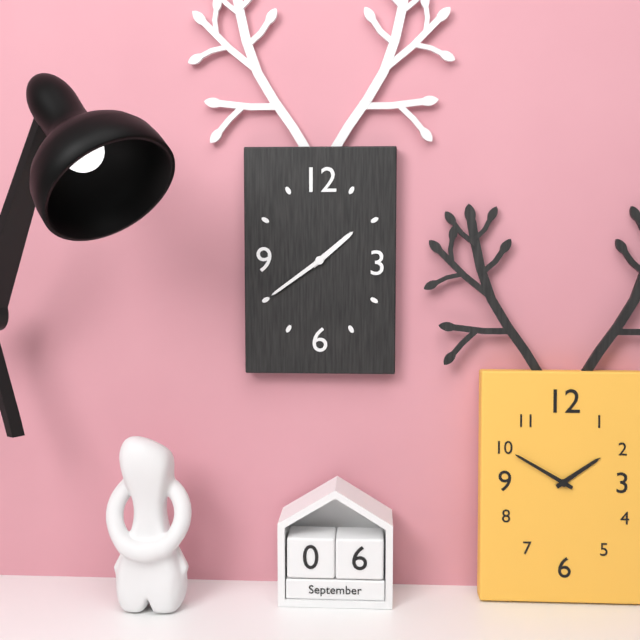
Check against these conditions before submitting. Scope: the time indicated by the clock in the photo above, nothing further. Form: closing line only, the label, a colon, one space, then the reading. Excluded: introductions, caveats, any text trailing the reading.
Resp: 1:39
